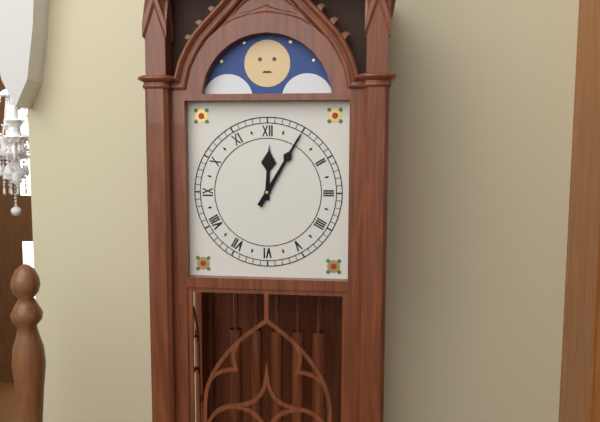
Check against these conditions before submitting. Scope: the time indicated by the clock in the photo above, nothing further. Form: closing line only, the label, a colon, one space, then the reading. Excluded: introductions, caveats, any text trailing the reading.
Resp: 12:05
